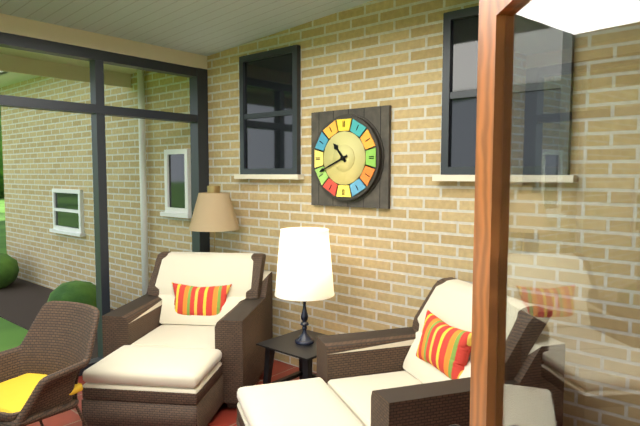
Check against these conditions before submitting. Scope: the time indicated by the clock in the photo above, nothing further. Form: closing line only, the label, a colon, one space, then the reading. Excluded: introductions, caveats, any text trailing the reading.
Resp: 10:41
